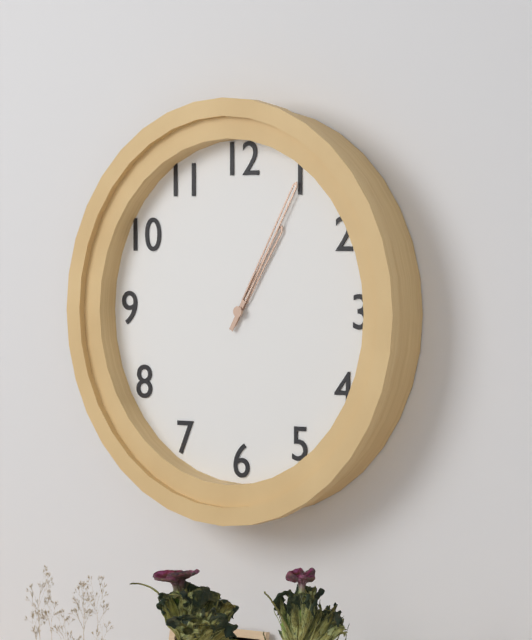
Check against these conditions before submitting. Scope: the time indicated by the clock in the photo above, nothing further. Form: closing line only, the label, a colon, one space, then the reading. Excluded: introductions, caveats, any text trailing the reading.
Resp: 1:05
